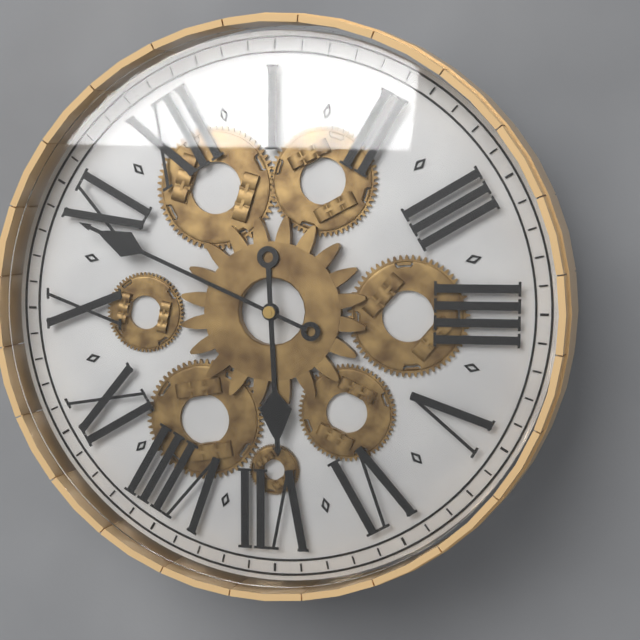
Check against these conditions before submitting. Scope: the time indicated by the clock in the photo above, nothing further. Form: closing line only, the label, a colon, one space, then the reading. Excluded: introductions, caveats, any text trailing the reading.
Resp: 6:54
